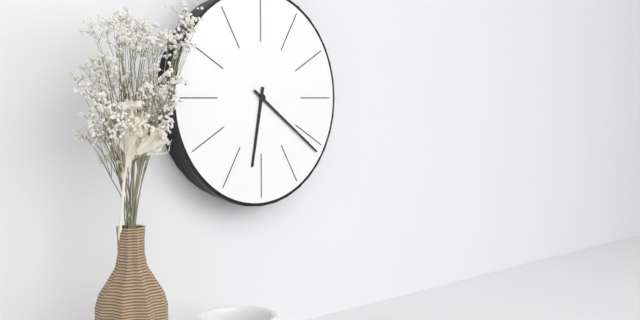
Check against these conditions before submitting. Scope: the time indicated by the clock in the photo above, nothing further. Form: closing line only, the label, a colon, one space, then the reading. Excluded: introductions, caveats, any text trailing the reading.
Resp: 6:21
